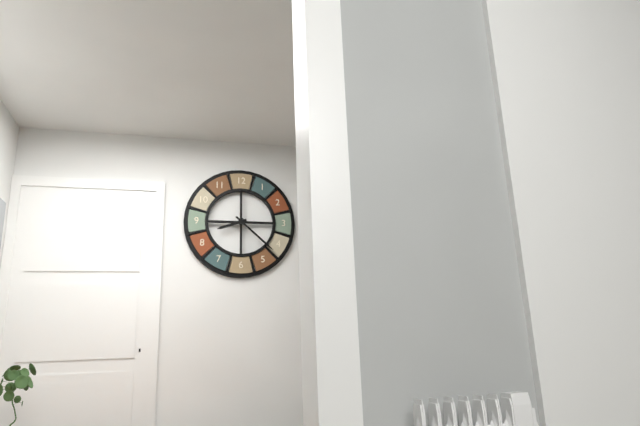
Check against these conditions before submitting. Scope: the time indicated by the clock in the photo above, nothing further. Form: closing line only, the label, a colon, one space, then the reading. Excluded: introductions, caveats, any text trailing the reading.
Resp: 8:22
